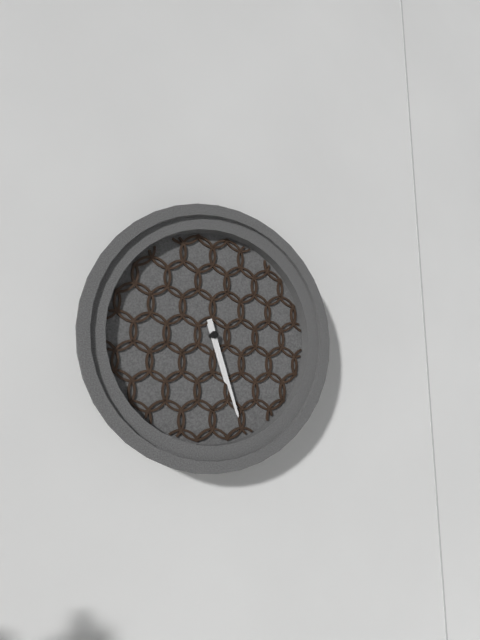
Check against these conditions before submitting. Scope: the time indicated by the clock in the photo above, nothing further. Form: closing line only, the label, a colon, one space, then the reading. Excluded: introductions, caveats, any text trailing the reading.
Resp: 5:27
